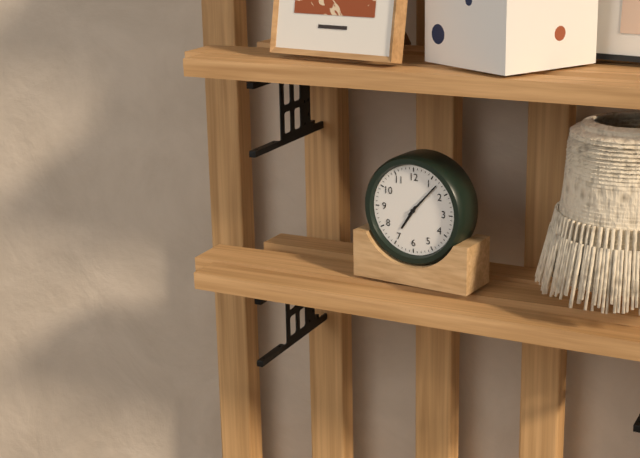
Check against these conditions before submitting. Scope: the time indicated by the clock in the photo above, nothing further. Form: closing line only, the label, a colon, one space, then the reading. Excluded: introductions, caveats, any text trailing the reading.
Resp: 7:07
